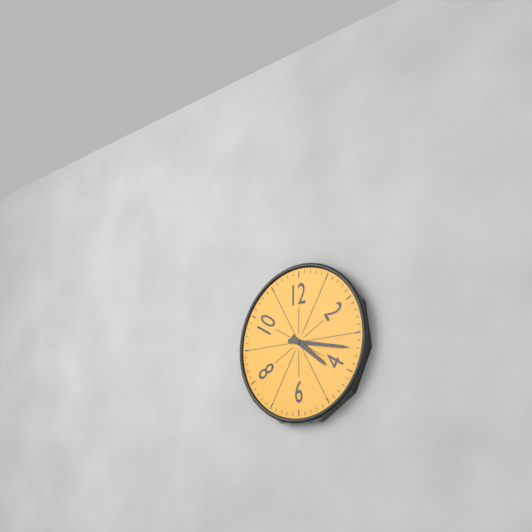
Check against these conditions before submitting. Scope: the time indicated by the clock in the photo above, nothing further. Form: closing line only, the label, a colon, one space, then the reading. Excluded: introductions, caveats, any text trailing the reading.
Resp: 4:17
